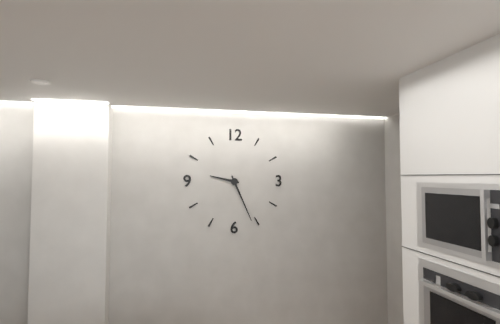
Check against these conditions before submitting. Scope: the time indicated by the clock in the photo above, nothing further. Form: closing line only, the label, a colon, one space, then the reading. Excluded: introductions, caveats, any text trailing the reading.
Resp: 9:26
